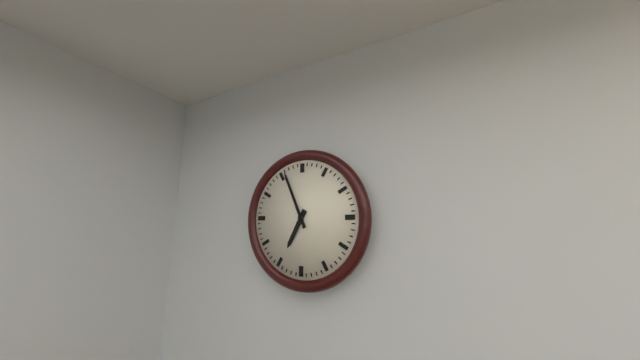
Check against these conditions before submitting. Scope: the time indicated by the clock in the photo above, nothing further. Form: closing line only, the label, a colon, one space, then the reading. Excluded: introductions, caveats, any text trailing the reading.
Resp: 6:56
